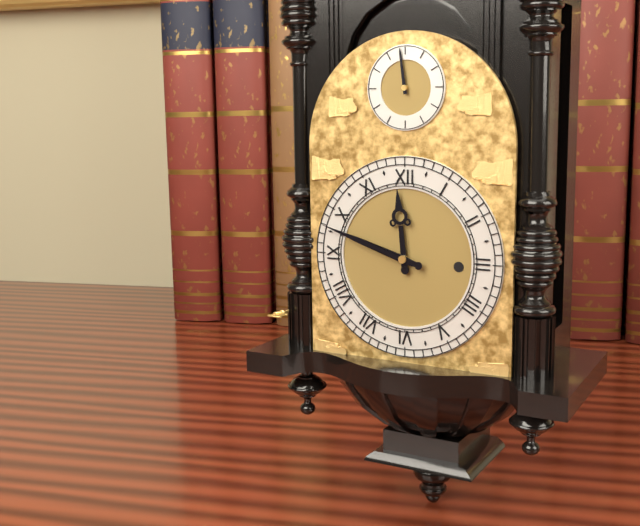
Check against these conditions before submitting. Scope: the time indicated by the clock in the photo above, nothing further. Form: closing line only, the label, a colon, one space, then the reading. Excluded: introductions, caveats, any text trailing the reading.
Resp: 11:48
